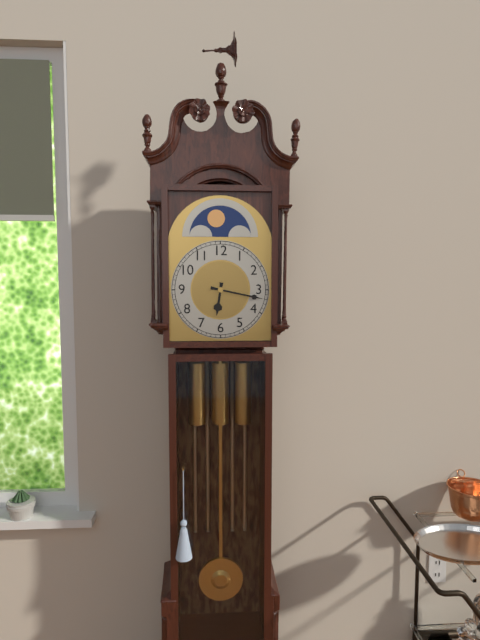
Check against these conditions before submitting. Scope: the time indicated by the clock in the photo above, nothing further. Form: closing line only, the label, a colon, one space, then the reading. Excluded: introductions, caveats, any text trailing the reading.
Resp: 6:17
